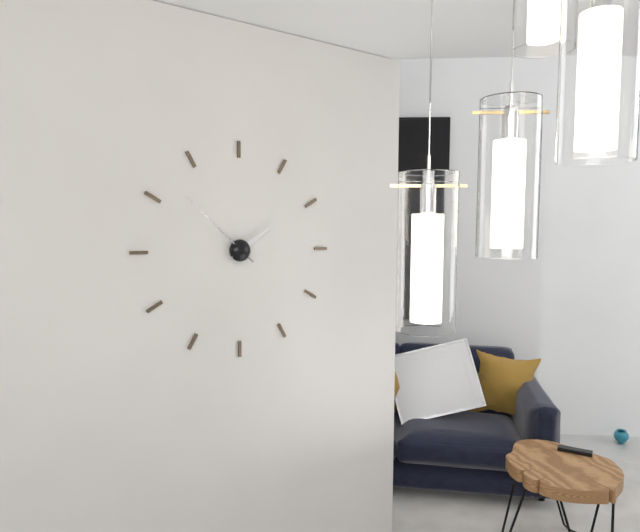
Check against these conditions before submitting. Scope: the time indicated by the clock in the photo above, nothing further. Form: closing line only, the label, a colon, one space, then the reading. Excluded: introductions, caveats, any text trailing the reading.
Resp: 1:52
